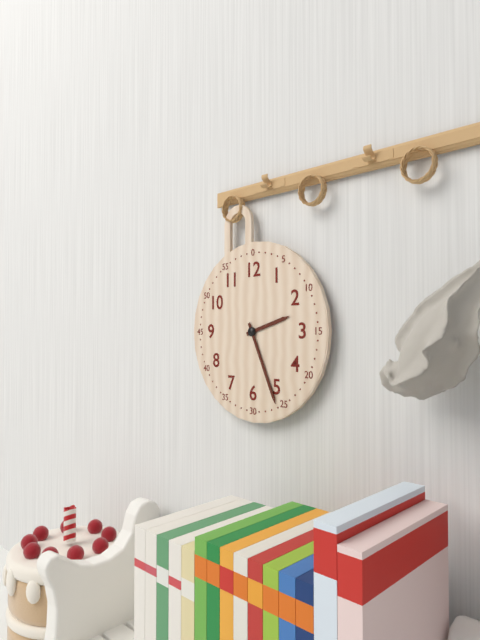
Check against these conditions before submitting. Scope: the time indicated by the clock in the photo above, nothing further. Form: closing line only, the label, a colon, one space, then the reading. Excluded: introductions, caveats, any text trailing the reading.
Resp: 2:26
